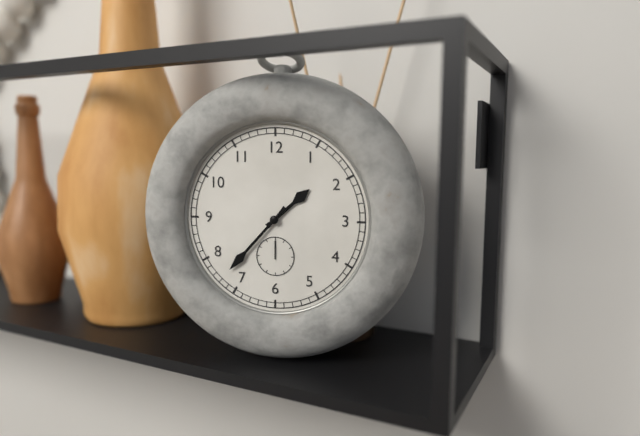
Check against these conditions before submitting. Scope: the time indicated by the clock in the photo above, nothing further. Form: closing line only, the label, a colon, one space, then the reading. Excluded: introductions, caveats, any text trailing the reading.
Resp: 1:37
